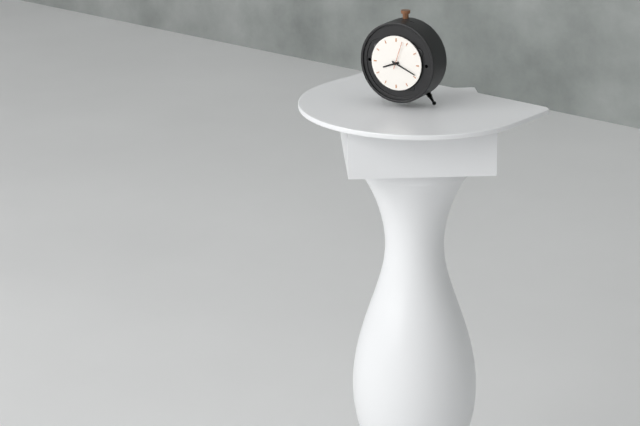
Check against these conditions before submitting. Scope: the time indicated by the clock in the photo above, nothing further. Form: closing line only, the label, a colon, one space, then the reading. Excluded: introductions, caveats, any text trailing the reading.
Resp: 8:19
